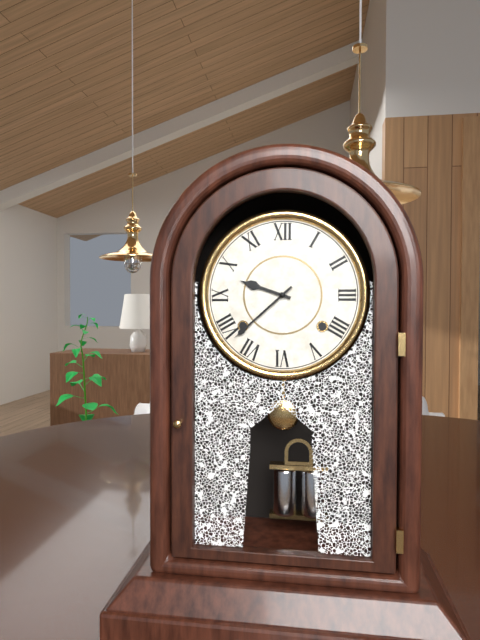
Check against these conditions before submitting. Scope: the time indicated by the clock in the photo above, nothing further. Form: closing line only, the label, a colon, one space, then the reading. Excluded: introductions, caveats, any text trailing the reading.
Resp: 9:38
